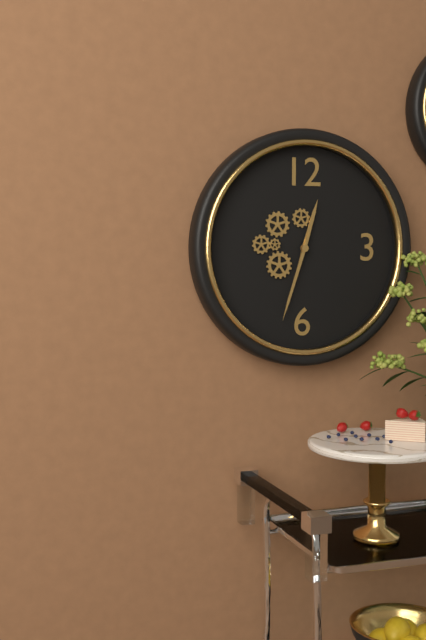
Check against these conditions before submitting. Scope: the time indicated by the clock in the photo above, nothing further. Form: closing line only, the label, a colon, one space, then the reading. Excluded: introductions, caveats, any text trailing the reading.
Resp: 12:33
